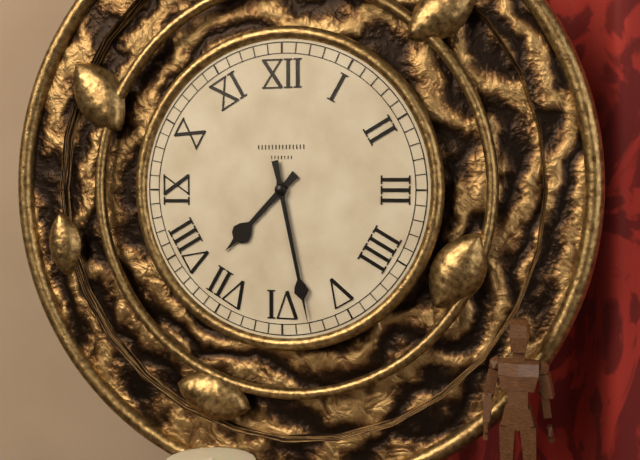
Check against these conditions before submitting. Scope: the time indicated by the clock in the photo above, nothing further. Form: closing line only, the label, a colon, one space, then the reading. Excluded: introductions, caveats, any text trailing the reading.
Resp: 7:28
